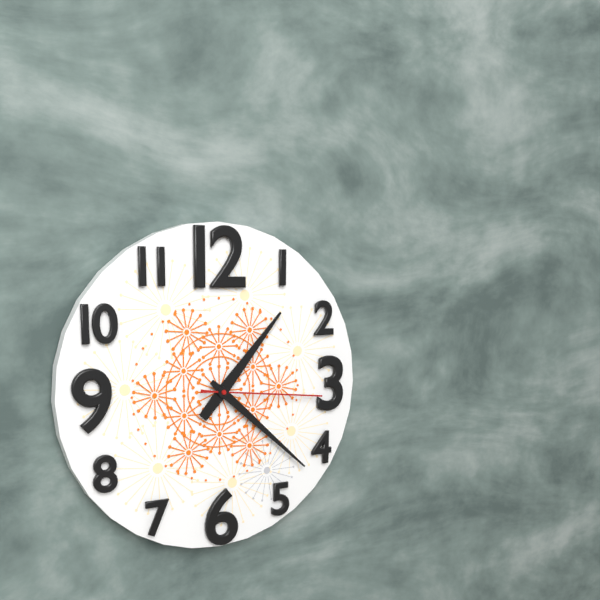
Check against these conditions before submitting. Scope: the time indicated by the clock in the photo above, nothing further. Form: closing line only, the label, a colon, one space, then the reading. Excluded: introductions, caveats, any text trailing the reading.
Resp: 1:22:16
